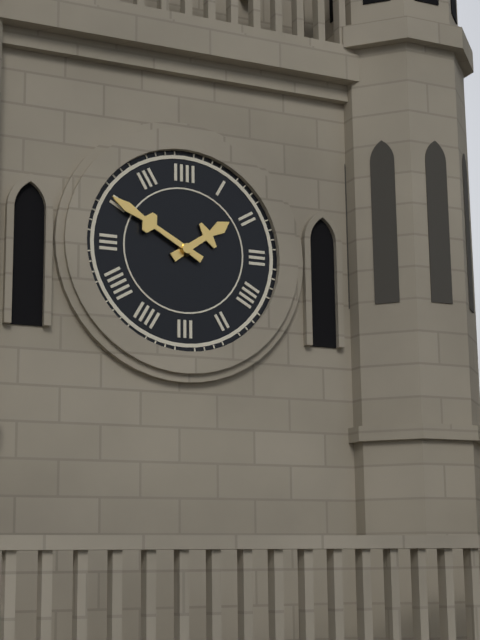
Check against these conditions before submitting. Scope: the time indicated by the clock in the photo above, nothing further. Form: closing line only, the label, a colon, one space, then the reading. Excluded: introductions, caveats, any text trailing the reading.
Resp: 1:50
